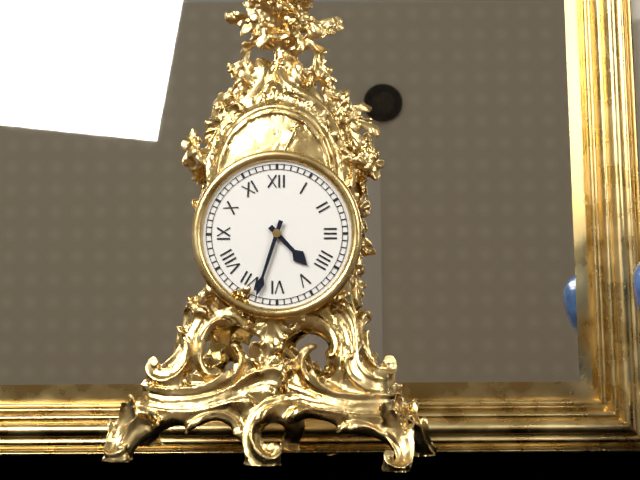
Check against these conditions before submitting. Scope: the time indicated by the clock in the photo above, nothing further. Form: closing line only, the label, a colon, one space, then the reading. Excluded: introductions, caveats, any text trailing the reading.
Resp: 4:33
